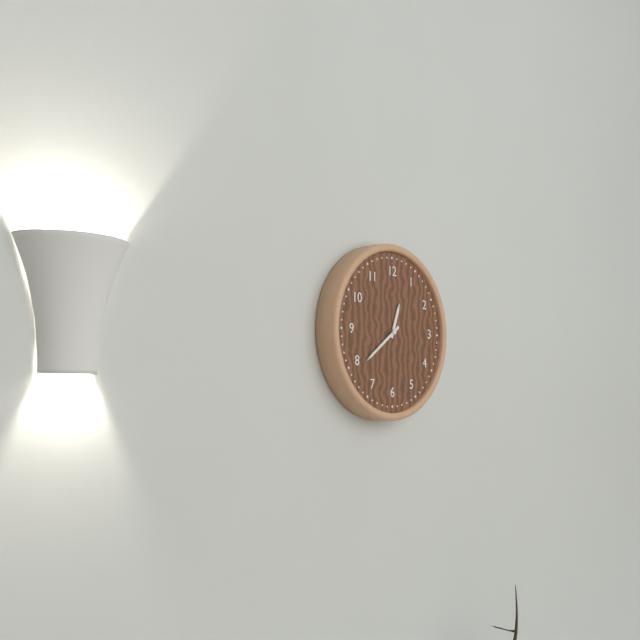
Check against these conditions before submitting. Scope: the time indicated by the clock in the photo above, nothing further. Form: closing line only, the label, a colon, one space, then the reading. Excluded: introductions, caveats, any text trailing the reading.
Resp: 12:39
